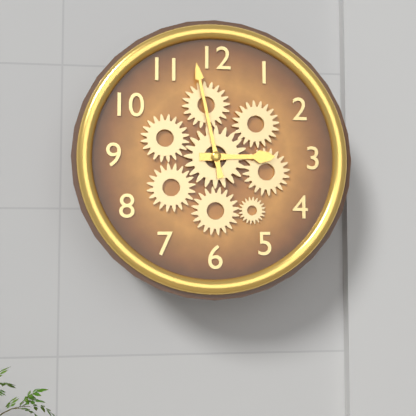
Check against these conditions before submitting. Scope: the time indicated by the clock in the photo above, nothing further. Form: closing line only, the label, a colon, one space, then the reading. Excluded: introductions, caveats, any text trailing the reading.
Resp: 2:58
